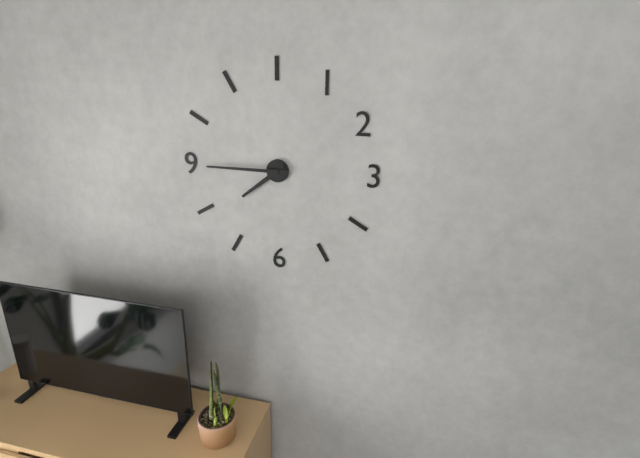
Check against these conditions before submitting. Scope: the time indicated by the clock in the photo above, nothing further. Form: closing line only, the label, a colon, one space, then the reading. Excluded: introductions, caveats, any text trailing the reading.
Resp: 7:45
